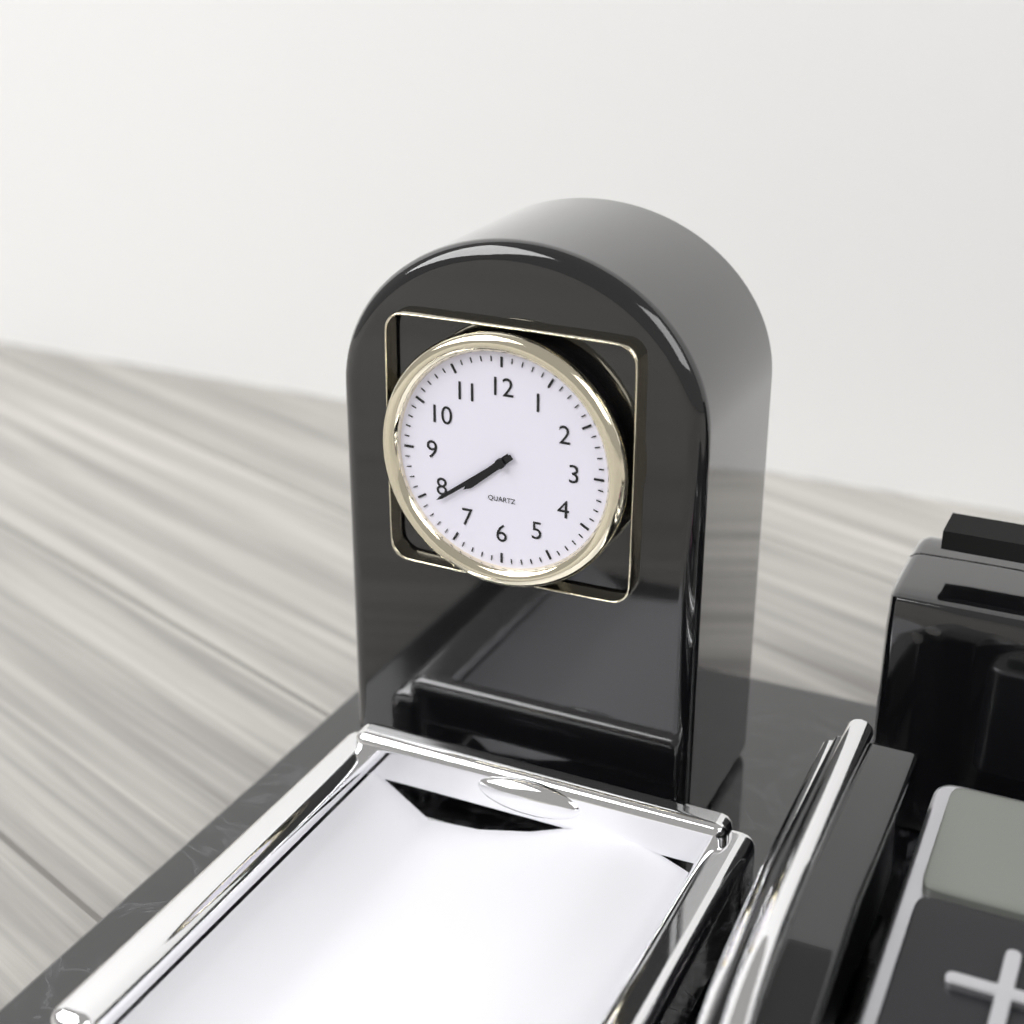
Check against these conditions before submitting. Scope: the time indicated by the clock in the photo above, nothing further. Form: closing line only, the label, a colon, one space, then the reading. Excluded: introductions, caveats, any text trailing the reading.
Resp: 7:39
